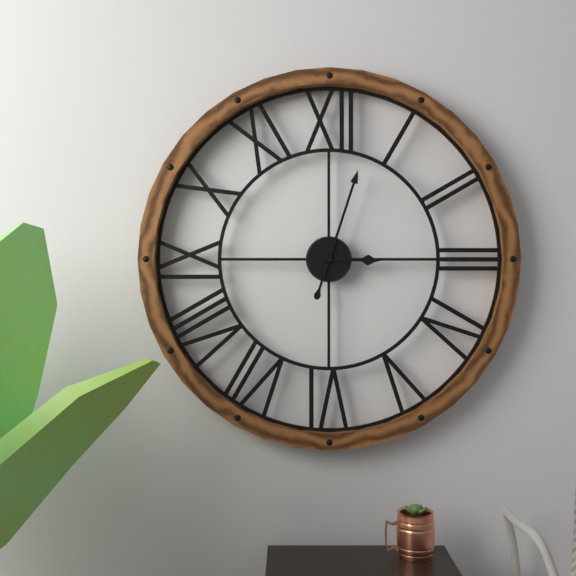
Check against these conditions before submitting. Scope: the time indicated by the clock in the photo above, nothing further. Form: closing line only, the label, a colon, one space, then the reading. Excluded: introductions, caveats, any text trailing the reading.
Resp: 3:03
